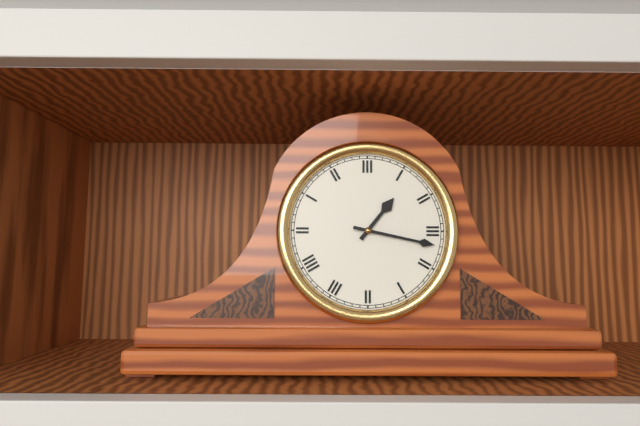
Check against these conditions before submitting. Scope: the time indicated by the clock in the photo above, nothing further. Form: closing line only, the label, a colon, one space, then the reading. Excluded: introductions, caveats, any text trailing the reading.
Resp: 1:17
